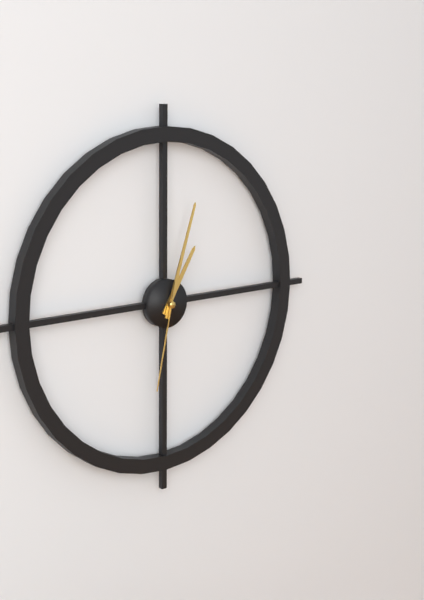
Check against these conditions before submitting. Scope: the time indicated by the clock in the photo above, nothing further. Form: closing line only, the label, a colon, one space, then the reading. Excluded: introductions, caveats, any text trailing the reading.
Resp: 1:03:32
